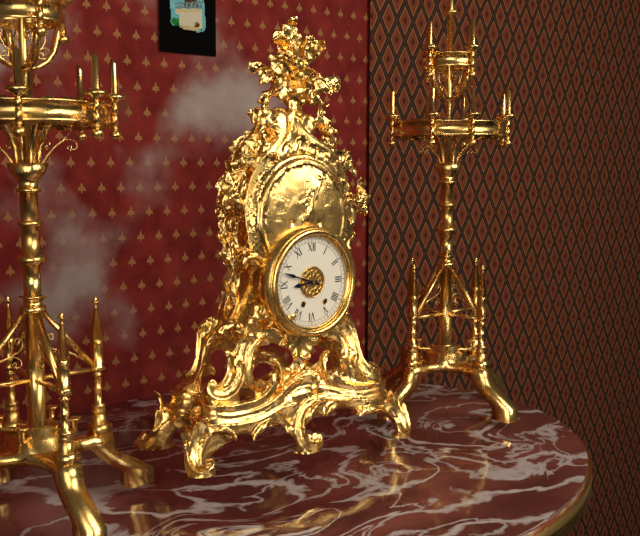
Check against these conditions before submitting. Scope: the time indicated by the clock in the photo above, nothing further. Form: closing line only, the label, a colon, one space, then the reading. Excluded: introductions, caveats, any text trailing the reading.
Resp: 8:48
